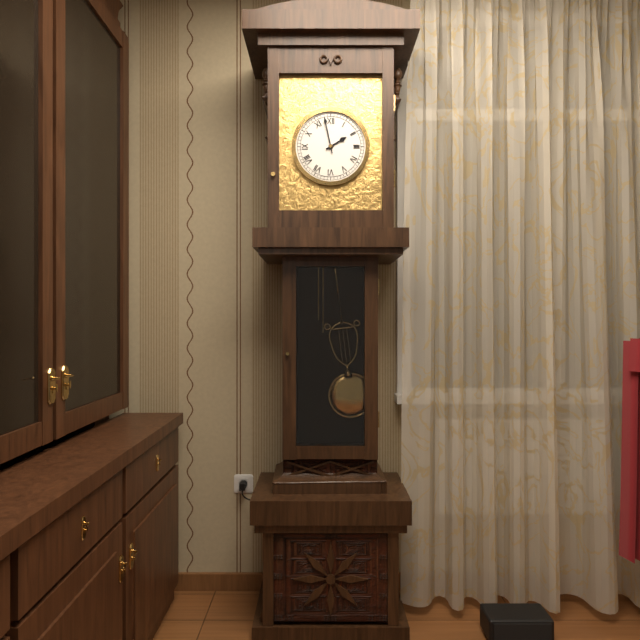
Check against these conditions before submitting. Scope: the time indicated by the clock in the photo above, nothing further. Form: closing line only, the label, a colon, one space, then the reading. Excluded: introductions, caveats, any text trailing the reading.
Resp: 1:58
